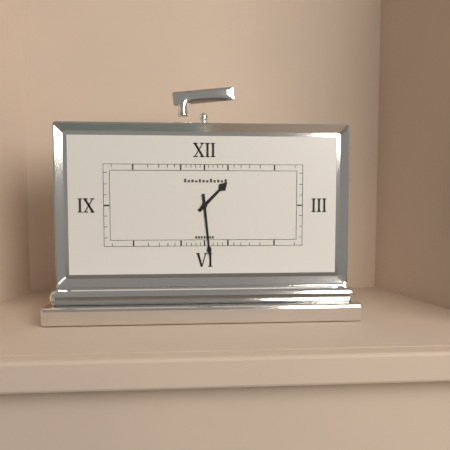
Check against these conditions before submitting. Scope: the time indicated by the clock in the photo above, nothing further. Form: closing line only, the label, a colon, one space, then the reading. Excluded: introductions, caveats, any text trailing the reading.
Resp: 1:29
